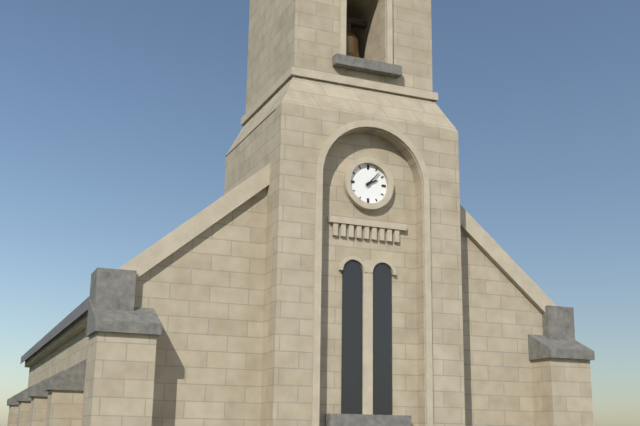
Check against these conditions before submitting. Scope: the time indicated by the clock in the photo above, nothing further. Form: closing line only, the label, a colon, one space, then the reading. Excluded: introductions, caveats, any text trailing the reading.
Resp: 2:07
